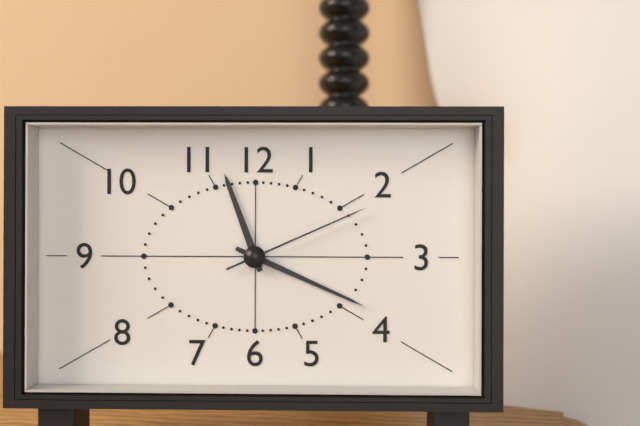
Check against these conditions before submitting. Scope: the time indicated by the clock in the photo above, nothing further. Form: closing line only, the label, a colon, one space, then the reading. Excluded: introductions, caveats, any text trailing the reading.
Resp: 11:19:11
